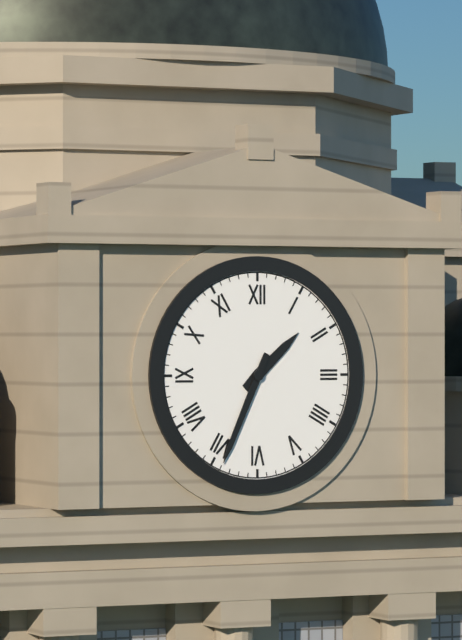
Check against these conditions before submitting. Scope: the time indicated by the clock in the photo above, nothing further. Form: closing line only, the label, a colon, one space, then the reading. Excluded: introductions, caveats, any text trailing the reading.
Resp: 1:34
